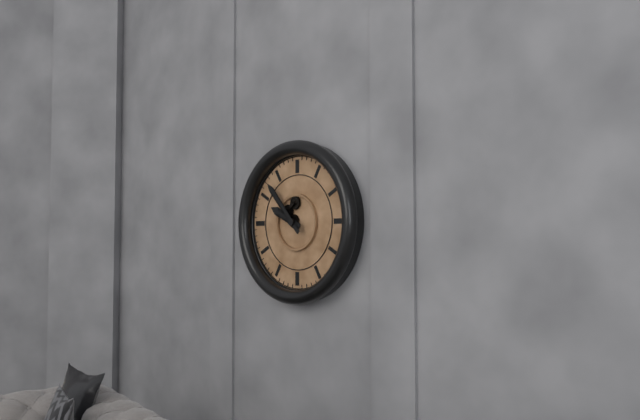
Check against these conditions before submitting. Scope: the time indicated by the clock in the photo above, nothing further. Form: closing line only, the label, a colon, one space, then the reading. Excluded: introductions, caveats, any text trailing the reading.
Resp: 9:53
